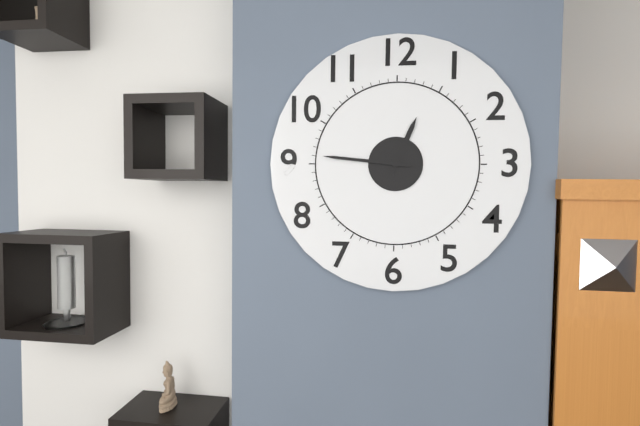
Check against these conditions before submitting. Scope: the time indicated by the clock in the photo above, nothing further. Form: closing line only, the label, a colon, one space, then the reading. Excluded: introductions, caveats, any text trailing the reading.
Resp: 12:46
